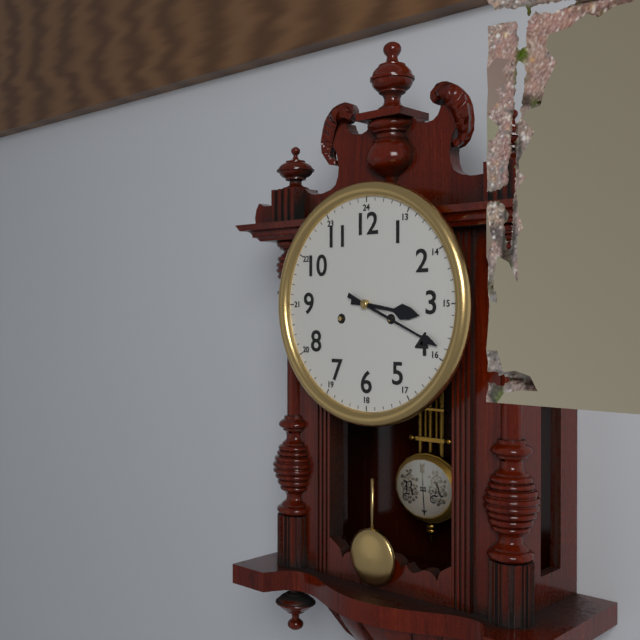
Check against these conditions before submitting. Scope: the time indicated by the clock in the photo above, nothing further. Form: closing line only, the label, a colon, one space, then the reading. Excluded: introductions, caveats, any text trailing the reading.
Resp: 3:19
